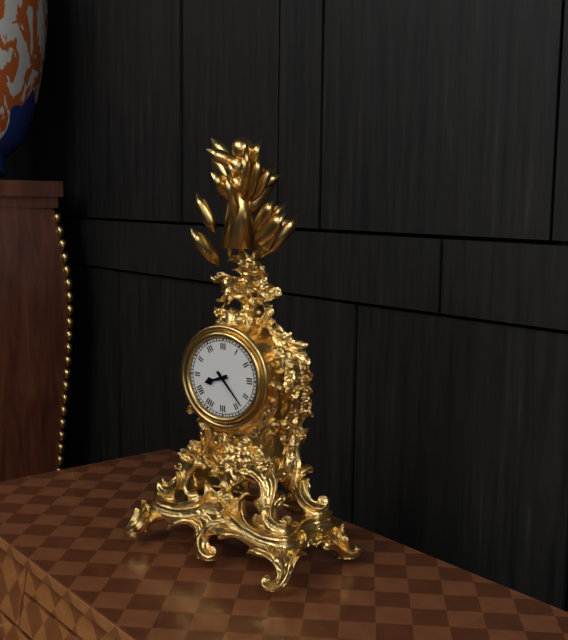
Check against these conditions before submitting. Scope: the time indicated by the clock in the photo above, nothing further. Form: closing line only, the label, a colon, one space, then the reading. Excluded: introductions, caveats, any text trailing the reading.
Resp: 8:23
